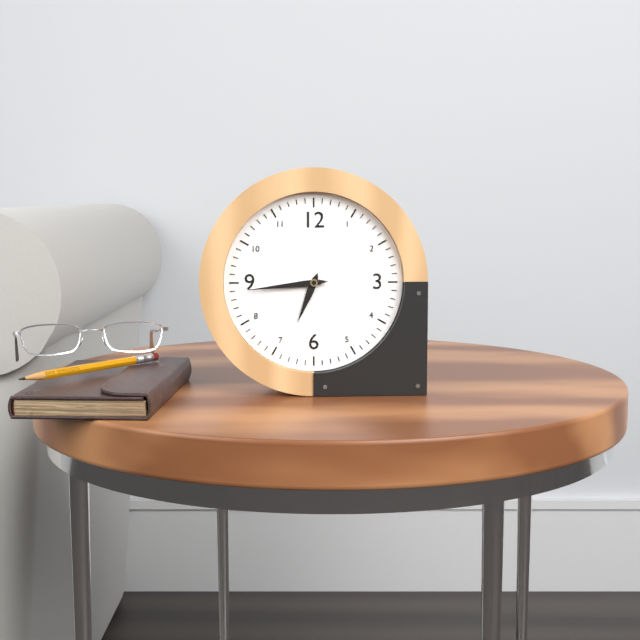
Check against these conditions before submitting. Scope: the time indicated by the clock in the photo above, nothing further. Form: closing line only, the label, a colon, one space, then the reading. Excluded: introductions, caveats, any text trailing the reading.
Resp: 6:44
